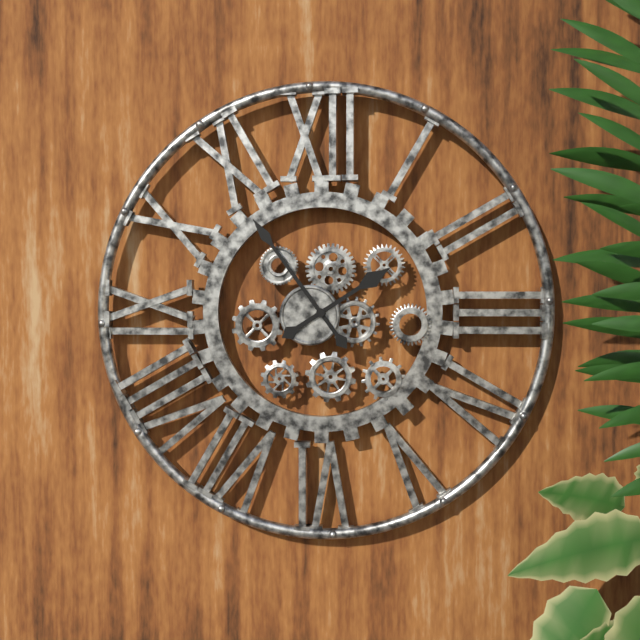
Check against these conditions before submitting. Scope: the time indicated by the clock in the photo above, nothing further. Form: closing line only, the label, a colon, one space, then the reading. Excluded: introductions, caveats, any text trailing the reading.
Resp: 1:54
